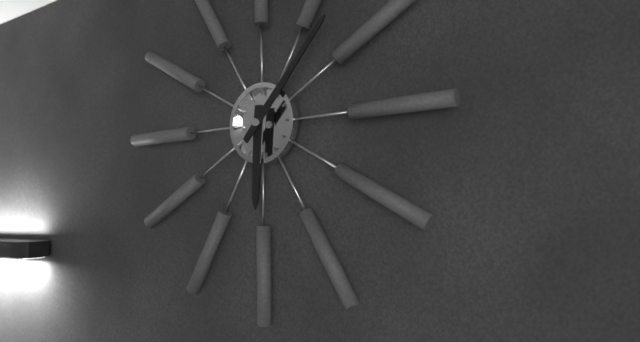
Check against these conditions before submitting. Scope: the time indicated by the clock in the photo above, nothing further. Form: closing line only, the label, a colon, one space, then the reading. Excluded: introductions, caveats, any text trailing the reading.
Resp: 6:07
